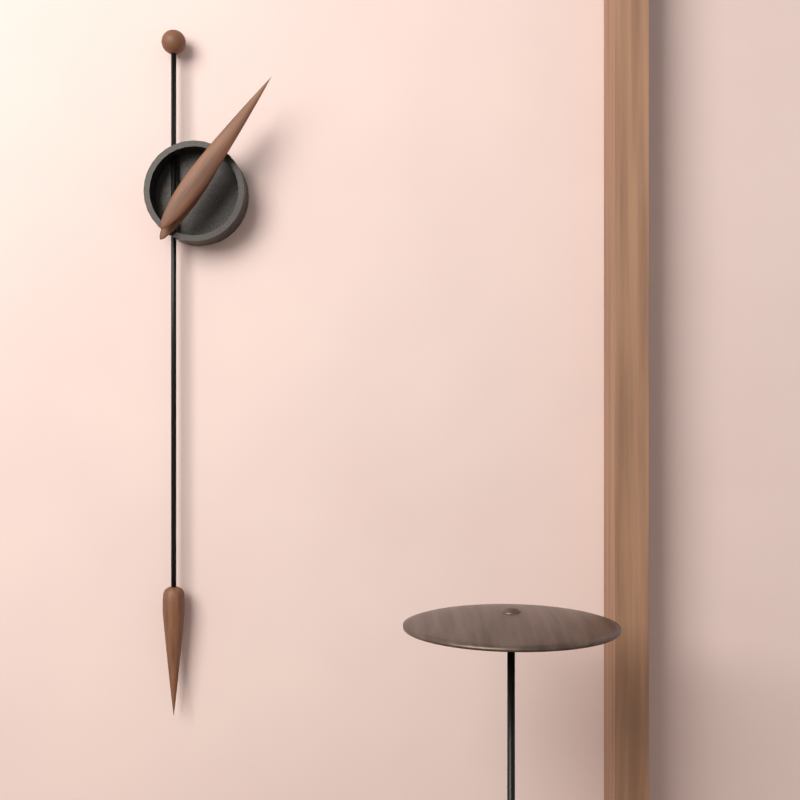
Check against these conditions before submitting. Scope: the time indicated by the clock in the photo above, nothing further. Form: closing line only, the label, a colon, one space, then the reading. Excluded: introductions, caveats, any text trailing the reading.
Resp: 1:06
